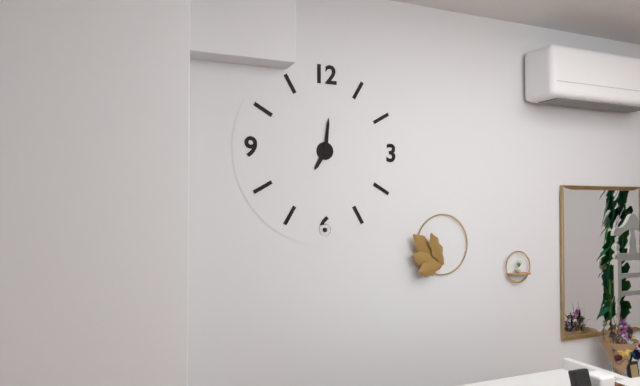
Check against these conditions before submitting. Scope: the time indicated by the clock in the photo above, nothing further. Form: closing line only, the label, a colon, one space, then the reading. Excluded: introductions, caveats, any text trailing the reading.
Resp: 7:01
